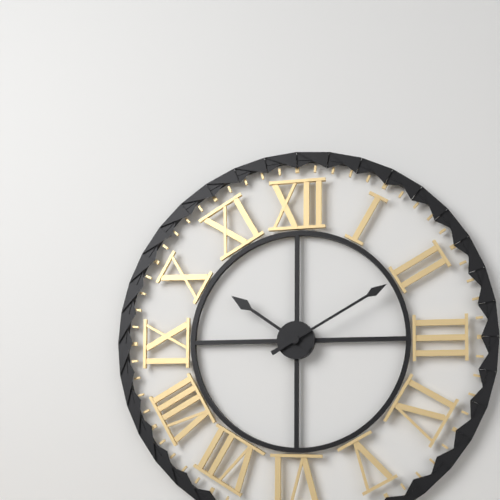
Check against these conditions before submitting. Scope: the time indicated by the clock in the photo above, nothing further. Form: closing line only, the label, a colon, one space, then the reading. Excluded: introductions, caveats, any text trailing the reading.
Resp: 10:10
